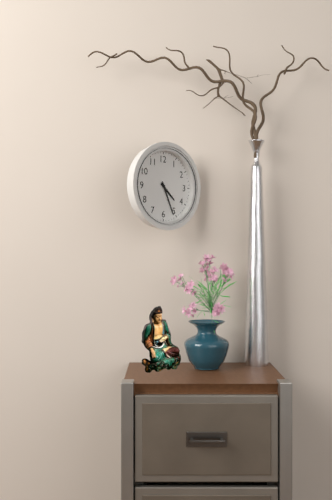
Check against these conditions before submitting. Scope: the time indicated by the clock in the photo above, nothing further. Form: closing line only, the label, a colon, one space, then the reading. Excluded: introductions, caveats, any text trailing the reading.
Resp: 4:26
